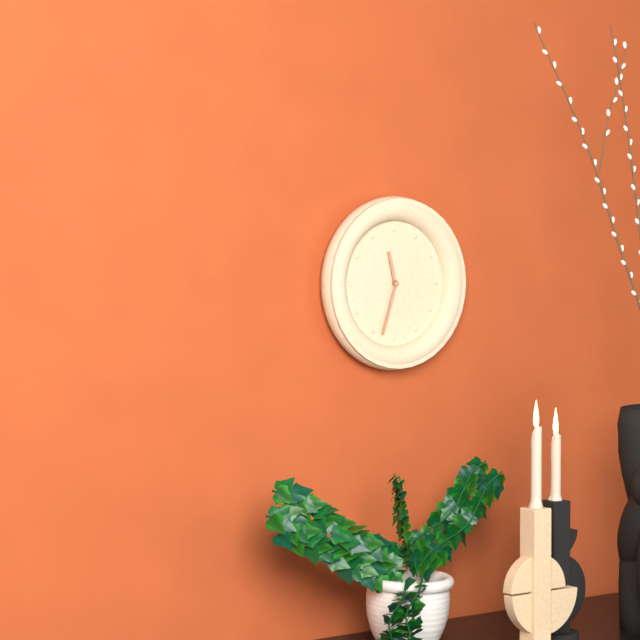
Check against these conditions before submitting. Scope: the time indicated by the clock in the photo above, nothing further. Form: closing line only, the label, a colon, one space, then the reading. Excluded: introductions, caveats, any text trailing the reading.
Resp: 11:33
